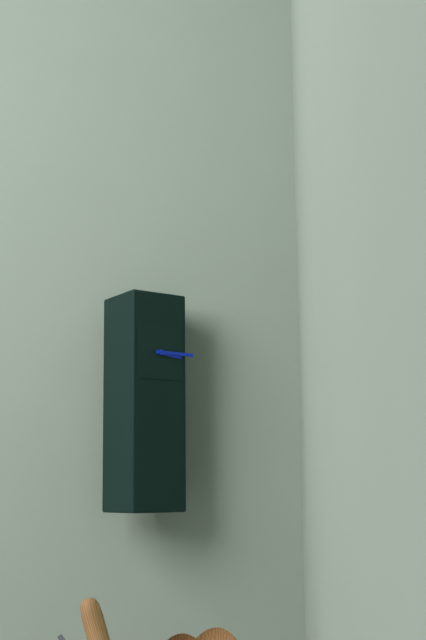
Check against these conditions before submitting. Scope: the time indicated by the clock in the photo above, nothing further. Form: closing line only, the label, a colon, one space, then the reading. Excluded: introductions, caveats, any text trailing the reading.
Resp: 3:15
